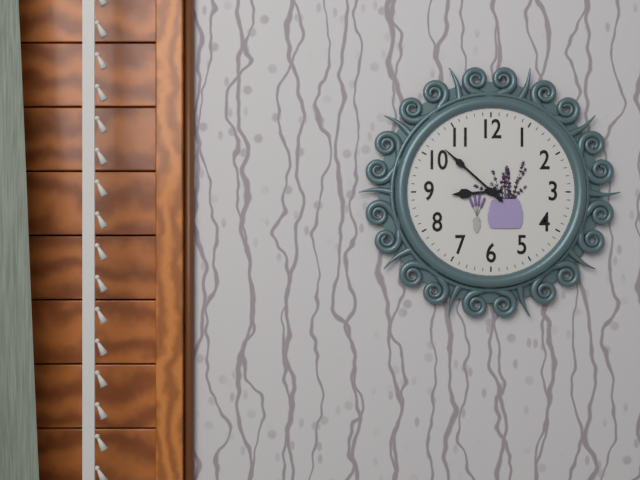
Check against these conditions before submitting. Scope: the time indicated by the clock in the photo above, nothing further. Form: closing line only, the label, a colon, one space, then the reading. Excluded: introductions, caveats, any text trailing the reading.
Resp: 8:52
